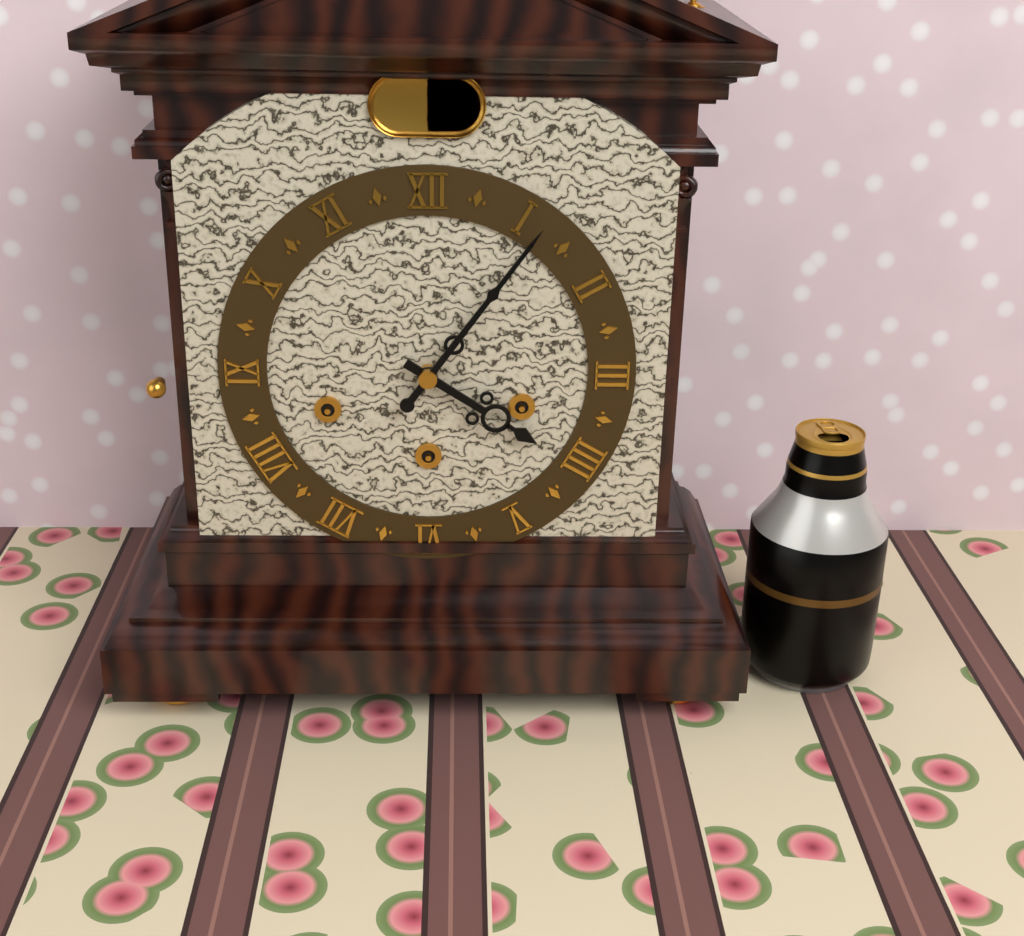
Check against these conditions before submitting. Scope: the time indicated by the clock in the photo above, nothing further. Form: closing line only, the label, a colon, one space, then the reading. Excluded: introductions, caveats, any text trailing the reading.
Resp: 4:06
